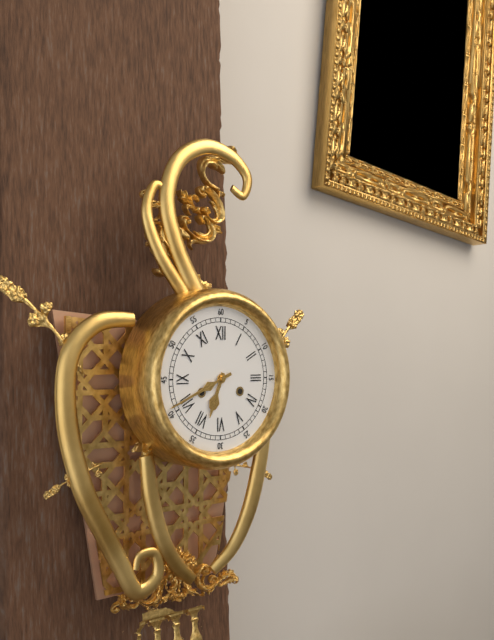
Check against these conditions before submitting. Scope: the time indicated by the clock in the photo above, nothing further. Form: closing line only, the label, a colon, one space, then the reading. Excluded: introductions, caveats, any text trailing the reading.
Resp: 6:41
